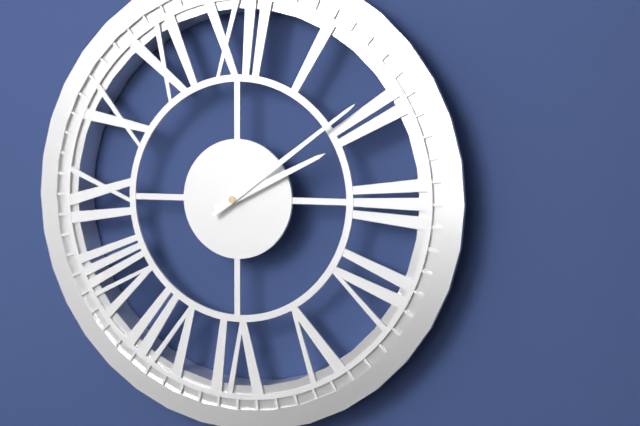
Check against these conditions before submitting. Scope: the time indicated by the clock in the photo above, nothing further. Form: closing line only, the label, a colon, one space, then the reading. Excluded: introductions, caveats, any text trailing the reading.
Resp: 2:09
